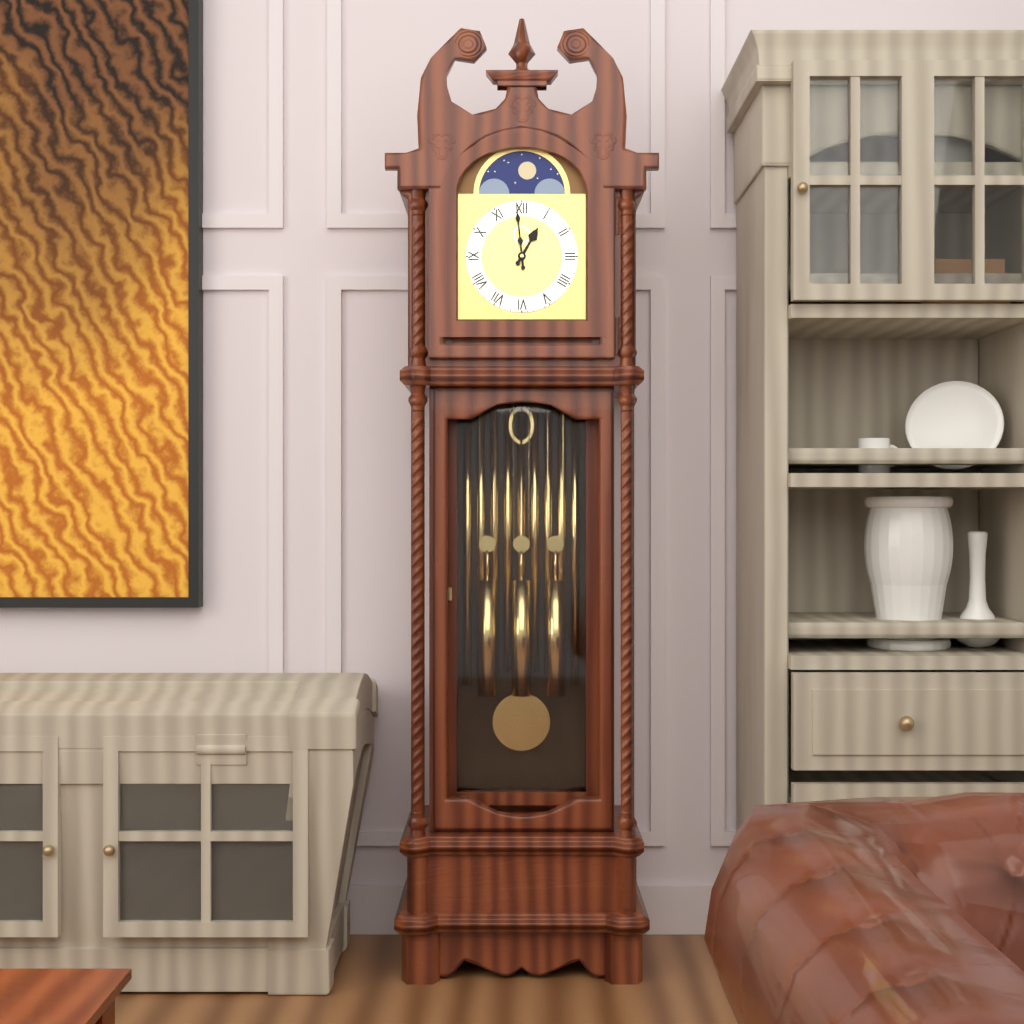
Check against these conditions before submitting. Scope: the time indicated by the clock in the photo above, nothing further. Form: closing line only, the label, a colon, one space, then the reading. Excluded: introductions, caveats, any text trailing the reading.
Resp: 12:59
